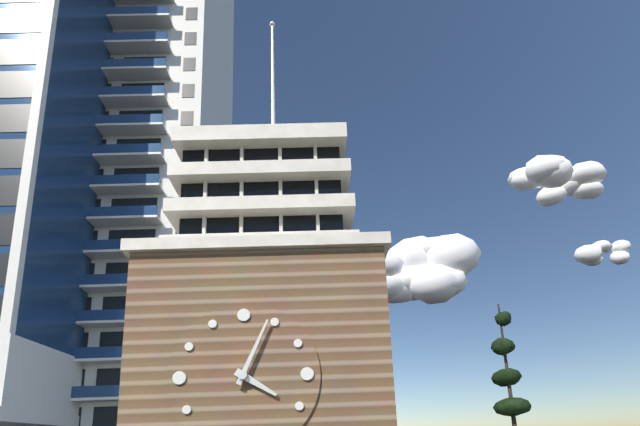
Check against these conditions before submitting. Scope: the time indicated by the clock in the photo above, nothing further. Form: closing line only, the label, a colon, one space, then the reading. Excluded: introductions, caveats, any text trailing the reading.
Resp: 4:04
